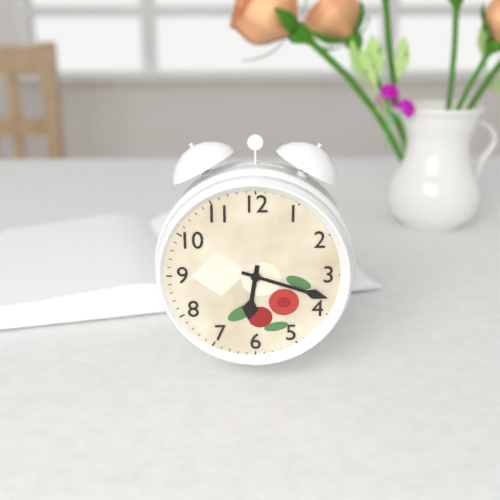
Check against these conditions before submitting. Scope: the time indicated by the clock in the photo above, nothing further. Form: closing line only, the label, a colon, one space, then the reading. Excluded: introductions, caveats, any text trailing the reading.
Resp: 6:18
